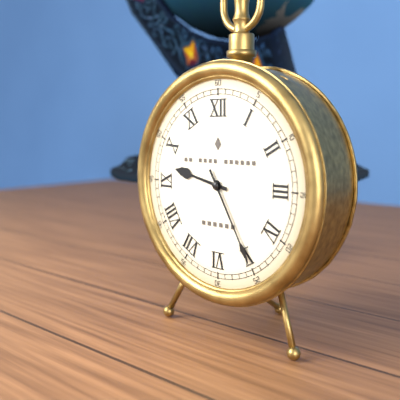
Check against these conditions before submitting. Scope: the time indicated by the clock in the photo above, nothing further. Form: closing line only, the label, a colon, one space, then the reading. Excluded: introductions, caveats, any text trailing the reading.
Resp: 9:25
